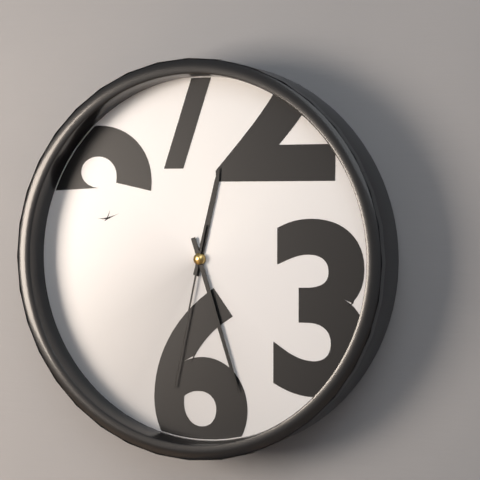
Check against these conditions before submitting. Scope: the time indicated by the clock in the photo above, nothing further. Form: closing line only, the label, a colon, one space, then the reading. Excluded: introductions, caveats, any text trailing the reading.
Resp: 12:27:32
